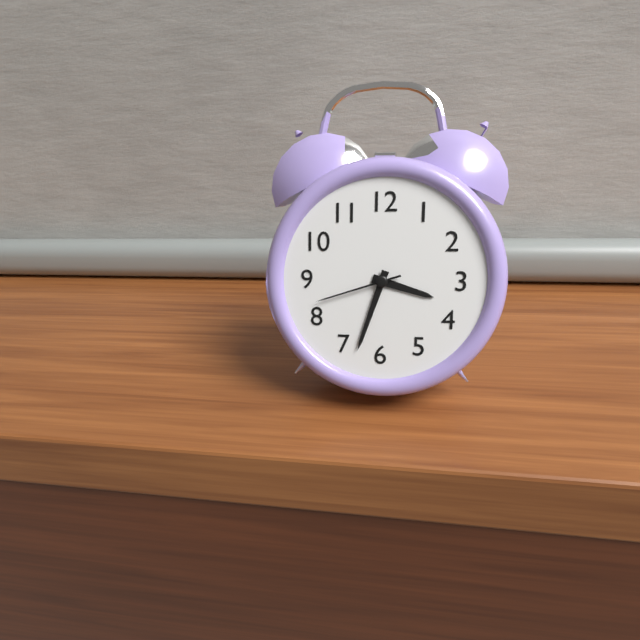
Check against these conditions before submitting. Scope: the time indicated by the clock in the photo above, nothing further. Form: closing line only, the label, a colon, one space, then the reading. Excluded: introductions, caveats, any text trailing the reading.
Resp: 3:33:42
